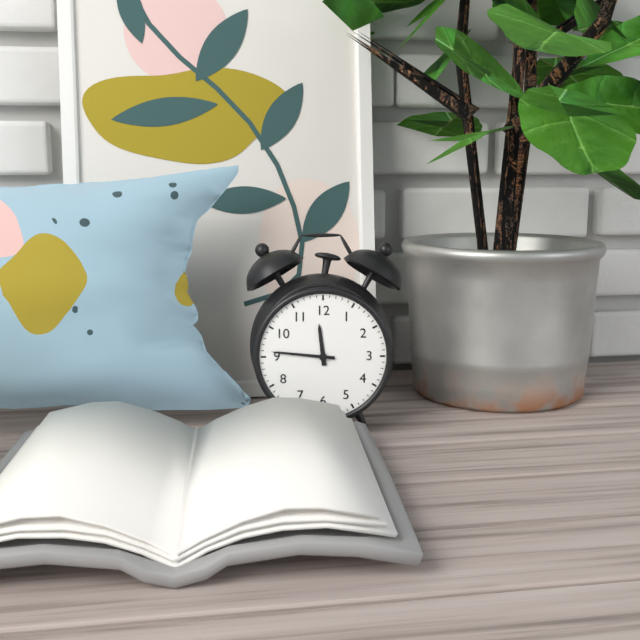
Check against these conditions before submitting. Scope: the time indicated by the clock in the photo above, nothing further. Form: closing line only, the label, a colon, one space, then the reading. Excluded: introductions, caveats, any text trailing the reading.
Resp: 11:46
